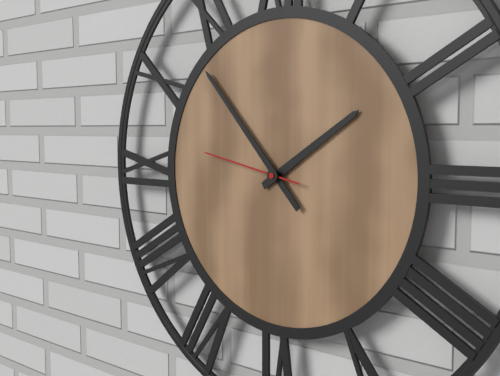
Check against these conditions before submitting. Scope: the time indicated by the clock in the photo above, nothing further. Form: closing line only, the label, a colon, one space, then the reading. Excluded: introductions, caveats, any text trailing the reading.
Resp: 1:53:47
